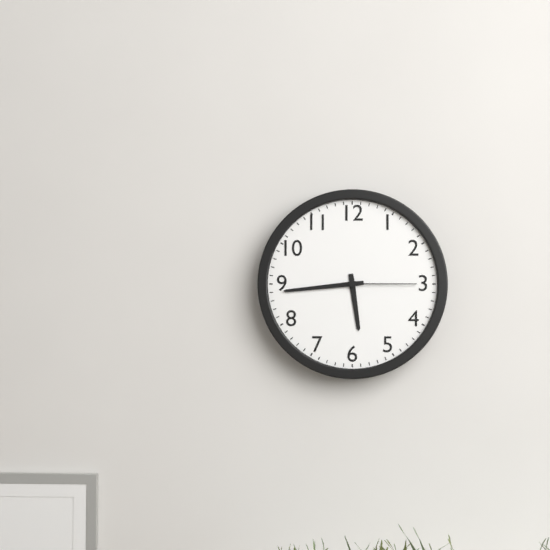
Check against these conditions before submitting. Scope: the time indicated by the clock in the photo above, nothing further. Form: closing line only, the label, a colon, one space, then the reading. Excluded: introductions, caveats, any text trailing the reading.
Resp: 5:44:15
